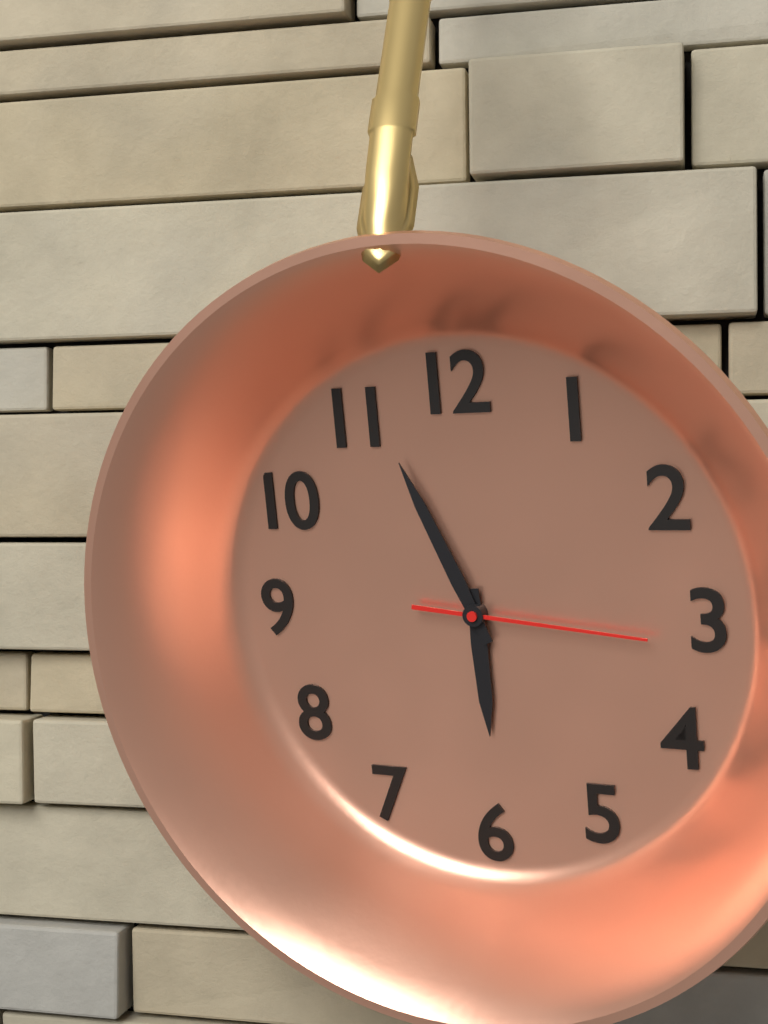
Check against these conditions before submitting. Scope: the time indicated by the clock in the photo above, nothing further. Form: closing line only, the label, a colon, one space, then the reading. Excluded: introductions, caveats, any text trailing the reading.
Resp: 5:56:16
